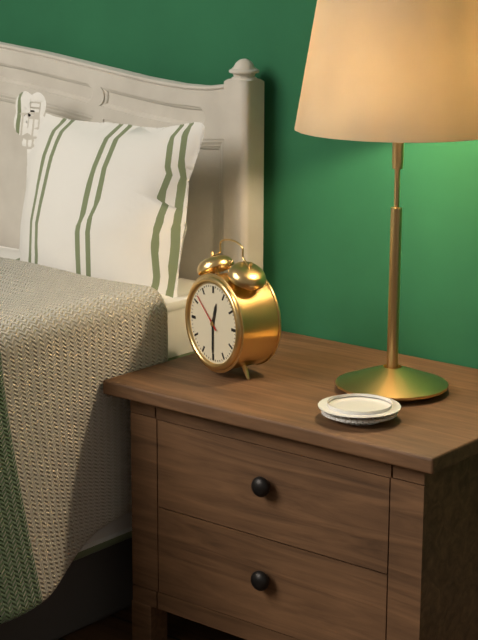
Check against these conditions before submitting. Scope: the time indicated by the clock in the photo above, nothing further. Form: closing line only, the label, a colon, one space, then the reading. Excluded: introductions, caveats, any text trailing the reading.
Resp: 12:30
